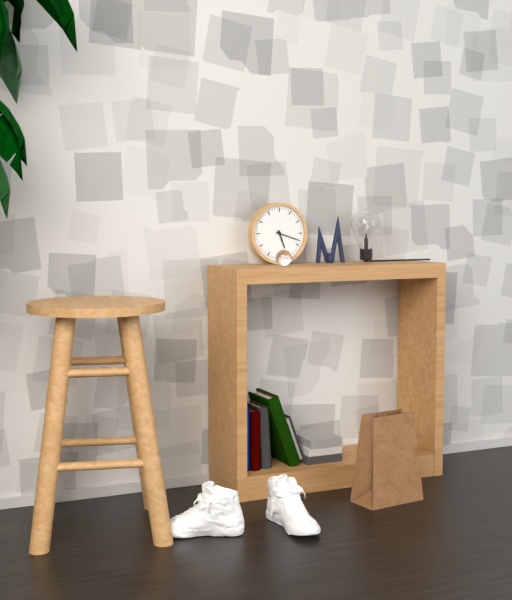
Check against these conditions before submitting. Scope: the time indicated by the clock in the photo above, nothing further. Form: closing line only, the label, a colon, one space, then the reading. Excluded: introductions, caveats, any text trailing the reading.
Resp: 5:18
